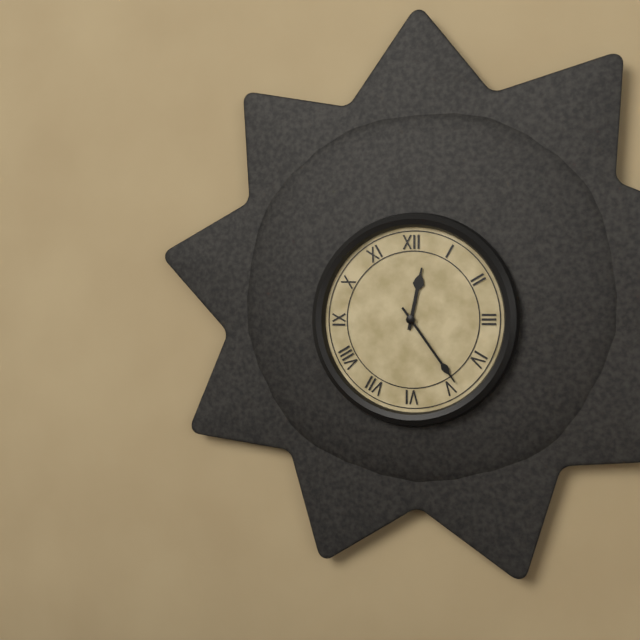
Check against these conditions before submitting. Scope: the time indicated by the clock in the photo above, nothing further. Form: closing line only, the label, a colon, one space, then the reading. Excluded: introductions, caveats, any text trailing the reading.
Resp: 12:24
